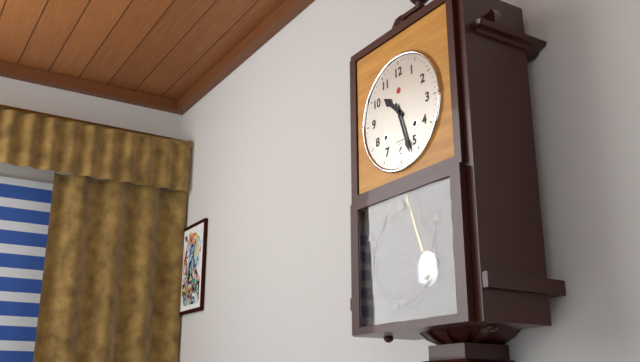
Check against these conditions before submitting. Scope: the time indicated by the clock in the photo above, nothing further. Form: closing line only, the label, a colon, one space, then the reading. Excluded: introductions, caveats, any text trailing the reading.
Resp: 10:27
